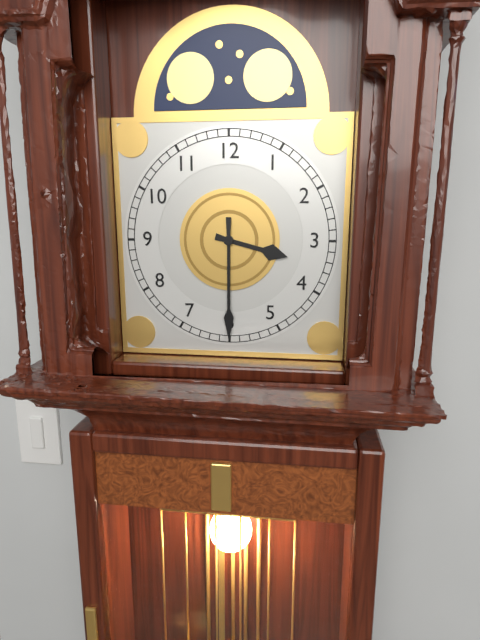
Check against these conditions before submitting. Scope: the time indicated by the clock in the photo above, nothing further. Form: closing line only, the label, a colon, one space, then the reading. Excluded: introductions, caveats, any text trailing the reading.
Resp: 3:30
